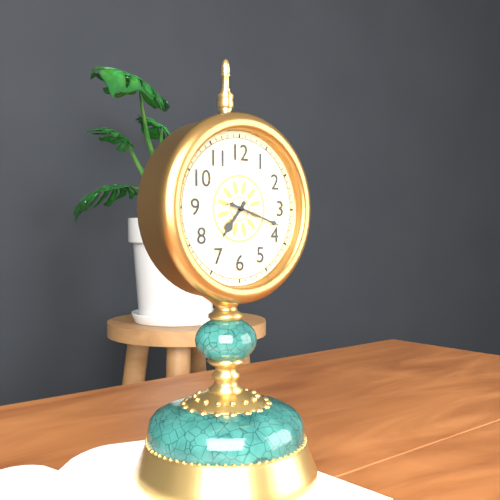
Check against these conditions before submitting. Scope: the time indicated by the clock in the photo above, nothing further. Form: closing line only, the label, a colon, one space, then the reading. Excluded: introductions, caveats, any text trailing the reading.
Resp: 7:18
